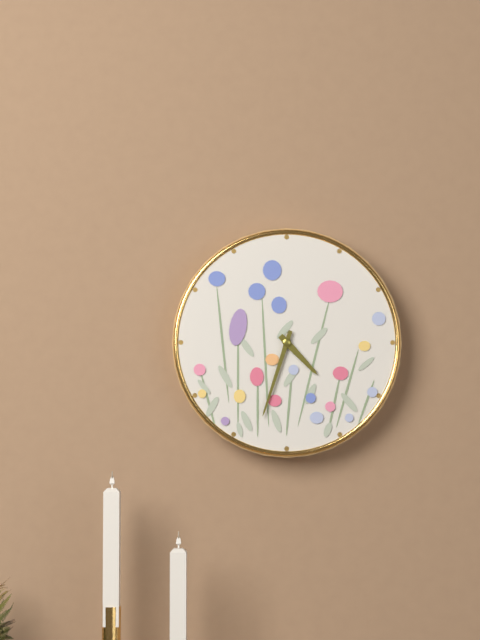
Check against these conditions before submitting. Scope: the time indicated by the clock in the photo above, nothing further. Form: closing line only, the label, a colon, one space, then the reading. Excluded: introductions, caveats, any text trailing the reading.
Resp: 4:33
